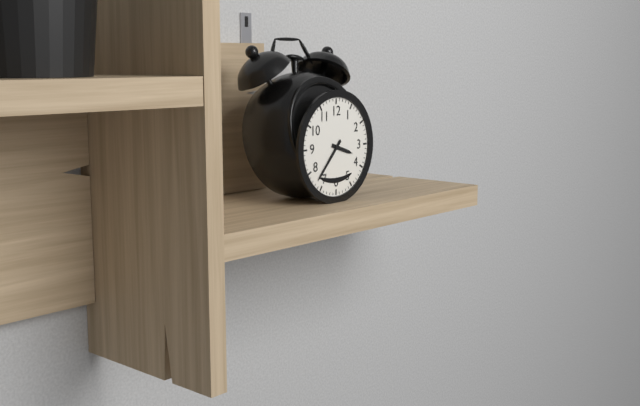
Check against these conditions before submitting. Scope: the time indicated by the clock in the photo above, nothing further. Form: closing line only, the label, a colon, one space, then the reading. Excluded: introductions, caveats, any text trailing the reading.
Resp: 3:37
